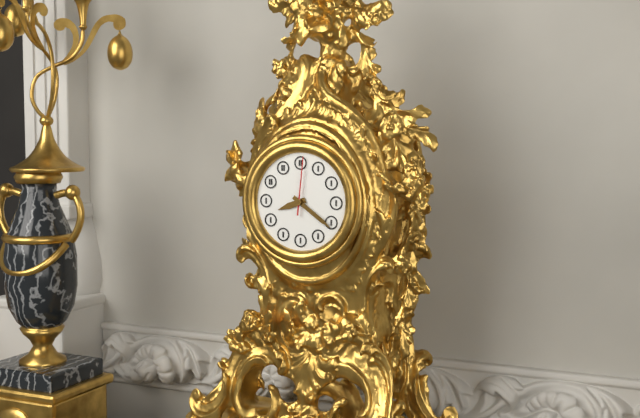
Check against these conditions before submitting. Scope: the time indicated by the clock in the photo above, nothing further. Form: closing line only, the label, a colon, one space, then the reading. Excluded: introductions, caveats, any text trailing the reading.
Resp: 8:21:01
